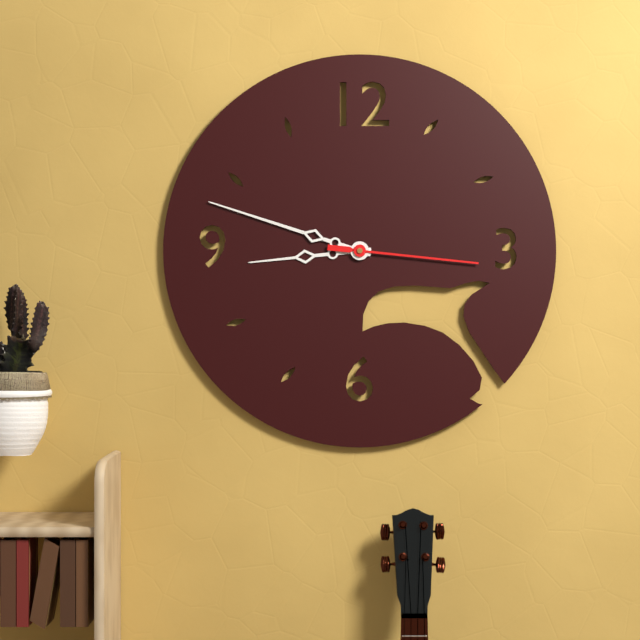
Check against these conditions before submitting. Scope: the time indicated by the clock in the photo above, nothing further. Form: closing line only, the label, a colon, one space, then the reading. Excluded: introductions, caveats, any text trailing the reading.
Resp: 8:48:16
